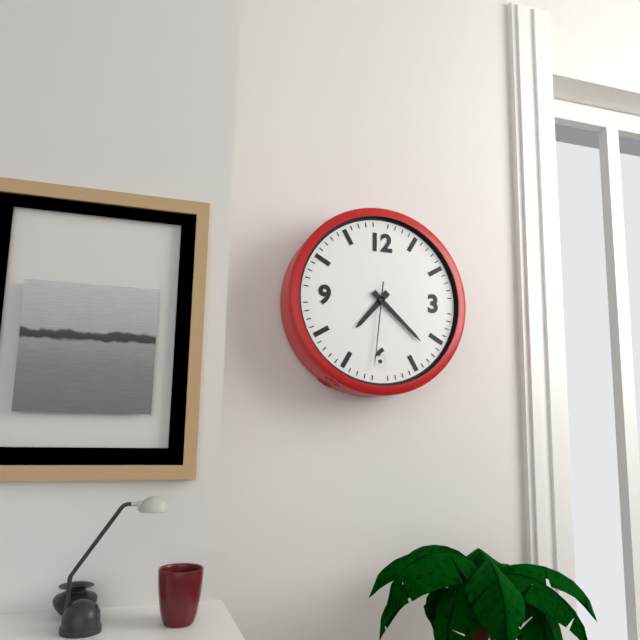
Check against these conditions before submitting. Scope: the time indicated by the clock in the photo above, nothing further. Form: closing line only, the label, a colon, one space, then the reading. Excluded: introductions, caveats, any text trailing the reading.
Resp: 7:22:31
